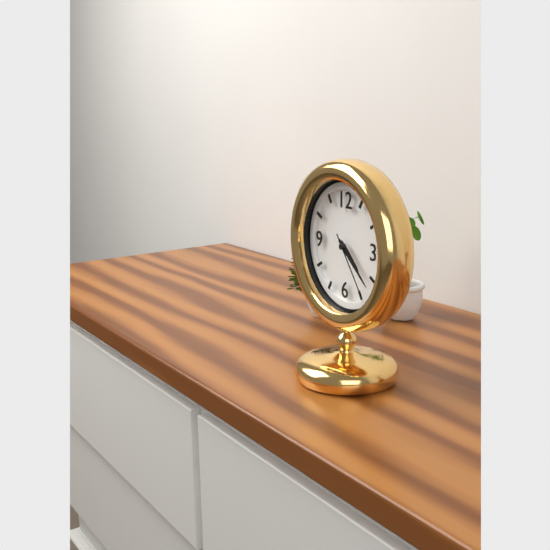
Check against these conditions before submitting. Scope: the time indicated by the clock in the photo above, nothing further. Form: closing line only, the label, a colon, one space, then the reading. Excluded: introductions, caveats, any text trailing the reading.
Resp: 4:22:24
